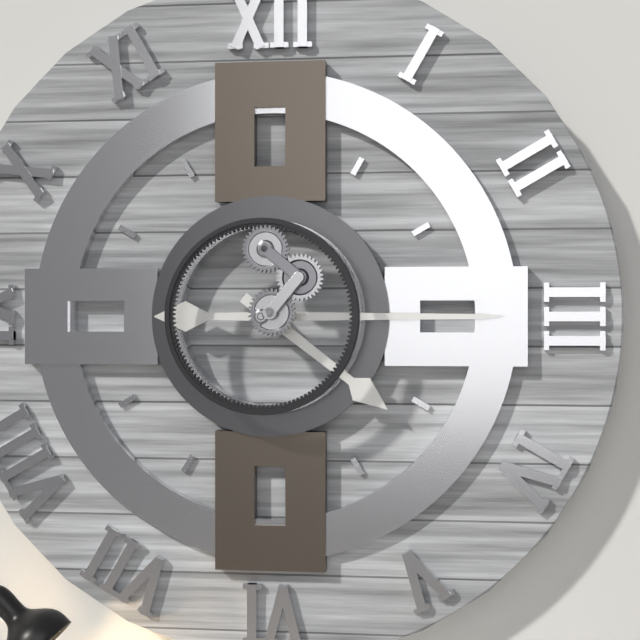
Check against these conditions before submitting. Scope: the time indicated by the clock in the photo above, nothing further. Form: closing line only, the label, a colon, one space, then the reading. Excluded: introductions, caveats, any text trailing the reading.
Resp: 4:15
